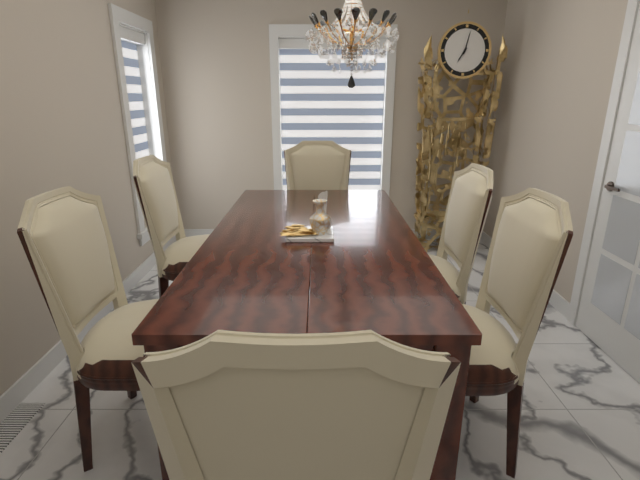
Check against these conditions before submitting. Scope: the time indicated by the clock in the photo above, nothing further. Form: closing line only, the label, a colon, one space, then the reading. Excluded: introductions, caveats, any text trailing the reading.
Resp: 7:02
